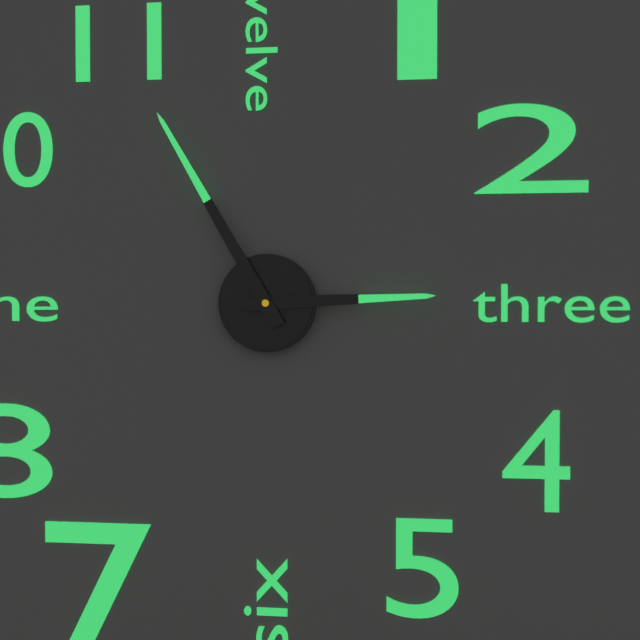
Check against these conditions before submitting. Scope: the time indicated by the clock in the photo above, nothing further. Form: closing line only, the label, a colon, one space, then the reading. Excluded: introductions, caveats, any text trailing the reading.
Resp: 2:55
